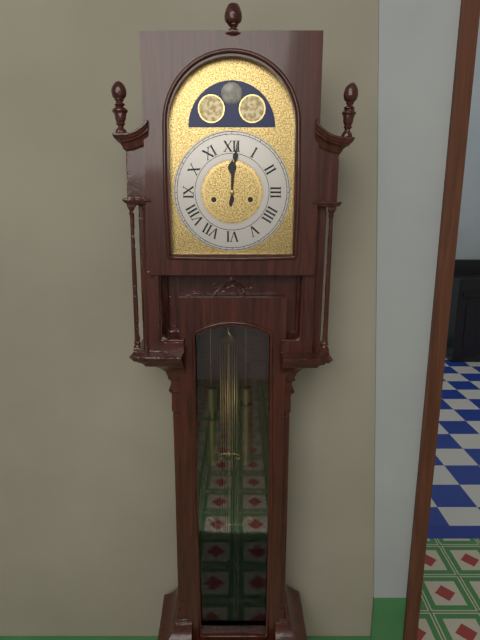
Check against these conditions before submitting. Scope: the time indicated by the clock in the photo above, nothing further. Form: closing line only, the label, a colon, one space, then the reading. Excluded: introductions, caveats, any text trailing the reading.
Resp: 12:01
